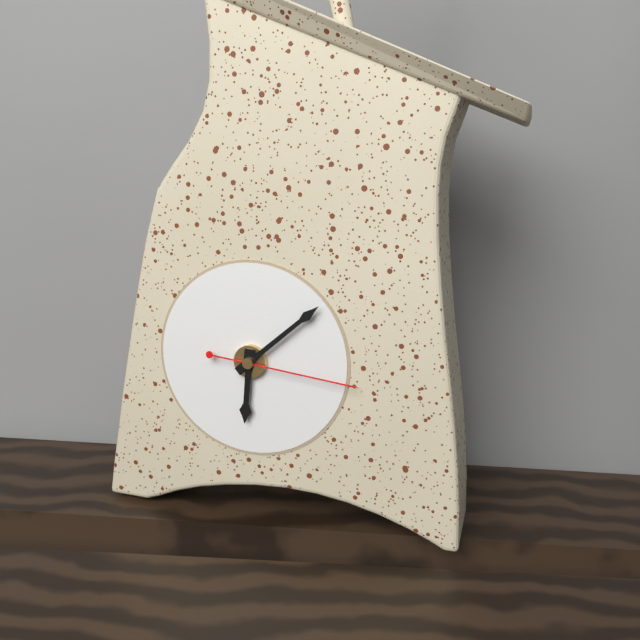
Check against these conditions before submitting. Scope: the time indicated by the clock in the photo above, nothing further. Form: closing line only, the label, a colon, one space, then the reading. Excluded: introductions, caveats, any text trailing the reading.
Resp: 6:08:16
